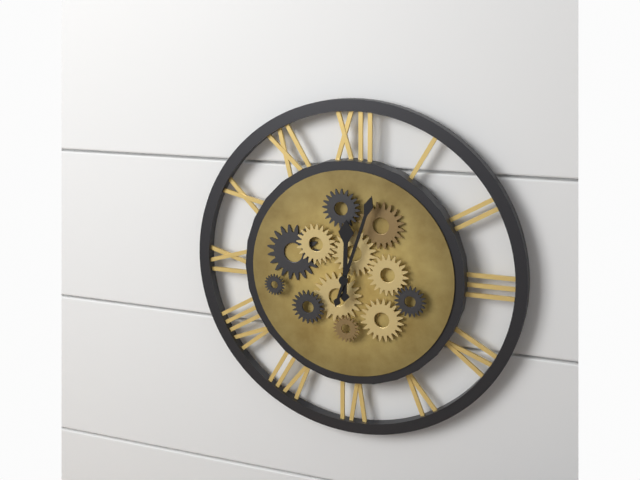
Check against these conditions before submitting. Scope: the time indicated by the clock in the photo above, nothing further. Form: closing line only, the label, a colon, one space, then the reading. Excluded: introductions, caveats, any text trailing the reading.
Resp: 12:03
